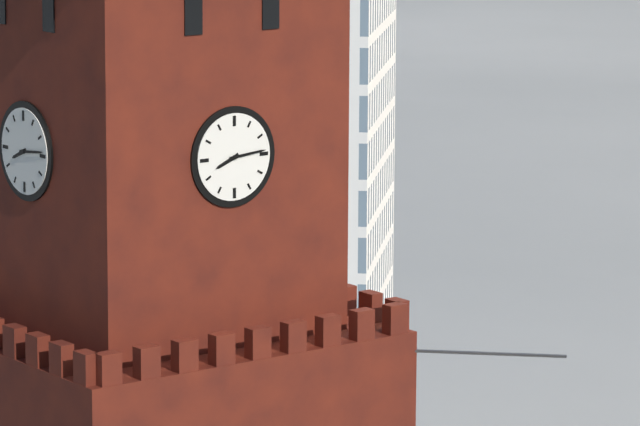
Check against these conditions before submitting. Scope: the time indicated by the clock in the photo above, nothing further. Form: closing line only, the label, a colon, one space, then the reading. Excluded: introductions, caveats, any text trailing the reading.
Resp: 8:14
